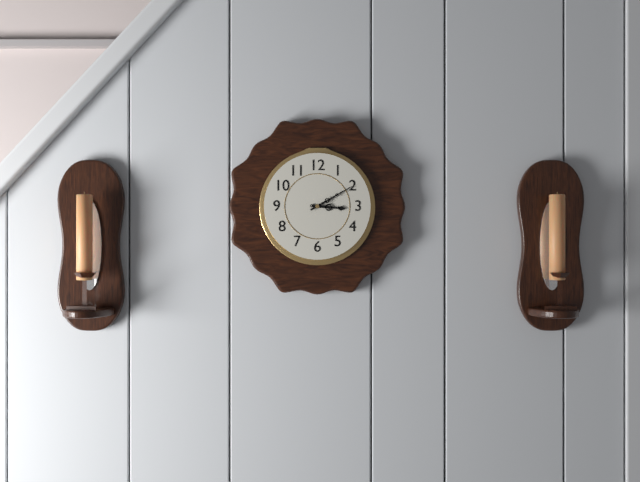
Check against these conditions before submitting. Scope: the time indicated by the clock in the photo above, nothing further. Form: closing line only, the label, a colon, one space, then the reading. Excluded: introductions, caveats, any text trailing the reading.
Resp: 3:10
